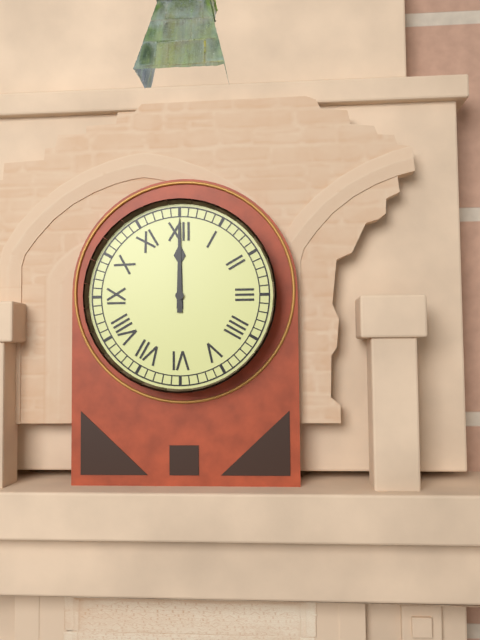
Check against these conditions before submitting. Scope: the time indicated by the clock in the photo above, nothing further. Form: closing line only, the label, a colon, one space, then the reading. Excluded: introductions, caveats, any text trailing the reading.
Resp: 12:00
